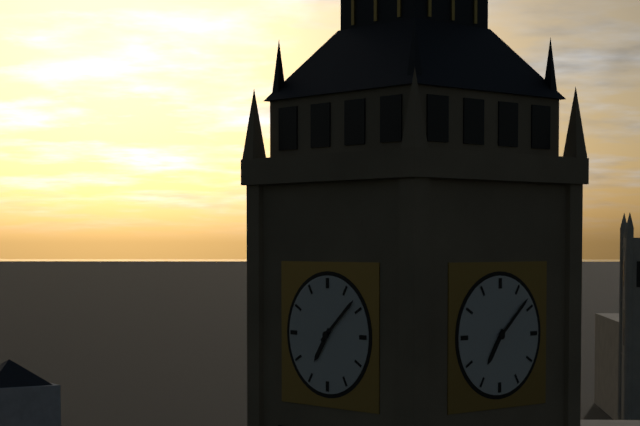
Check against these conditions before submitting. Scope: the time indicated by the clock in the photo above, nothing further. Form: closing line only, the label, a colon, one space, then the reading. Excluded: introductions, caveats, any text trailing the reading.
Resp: 7:08
